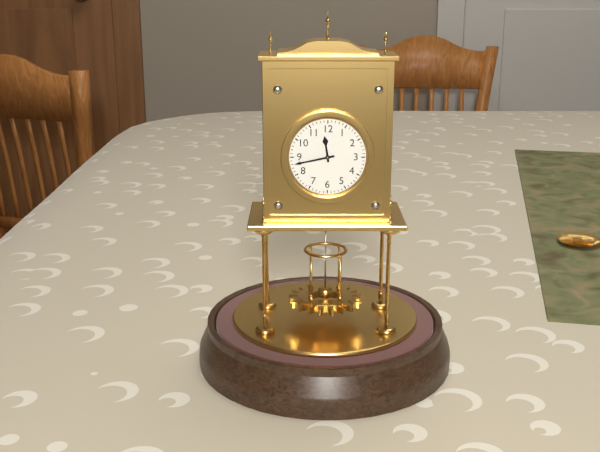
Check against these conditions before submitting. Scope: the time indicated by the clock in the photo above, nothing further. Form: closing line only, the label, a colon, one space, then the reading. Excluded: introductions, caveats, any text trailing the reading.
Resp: 11:43
